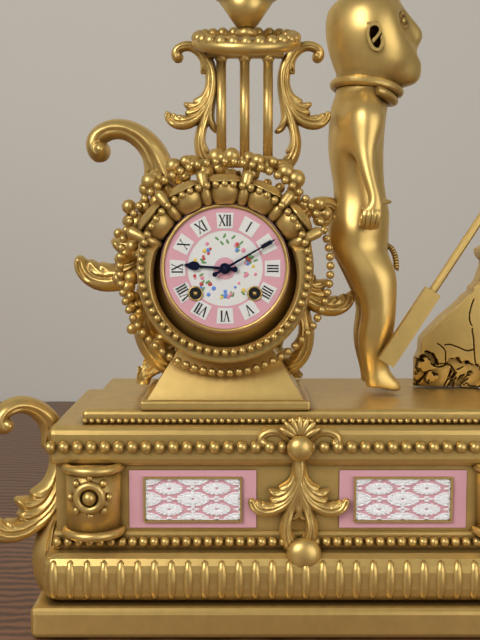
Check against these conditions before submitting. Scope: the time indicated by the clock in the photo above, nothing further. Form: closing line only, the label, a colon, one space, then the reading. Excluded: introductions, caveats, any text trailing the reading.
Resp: 9:10
